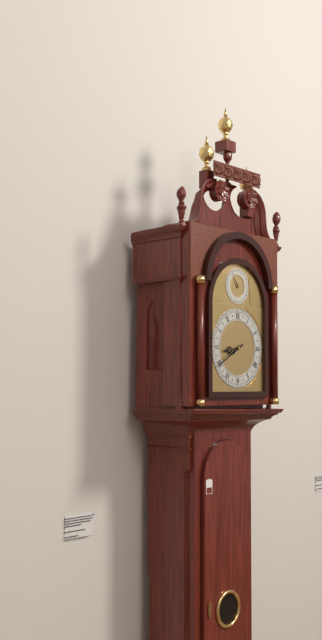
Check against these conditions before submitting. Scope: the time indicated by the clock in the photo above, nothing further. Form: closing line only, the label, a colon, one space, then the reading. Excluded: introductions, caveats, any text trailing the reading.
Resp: 8:40
